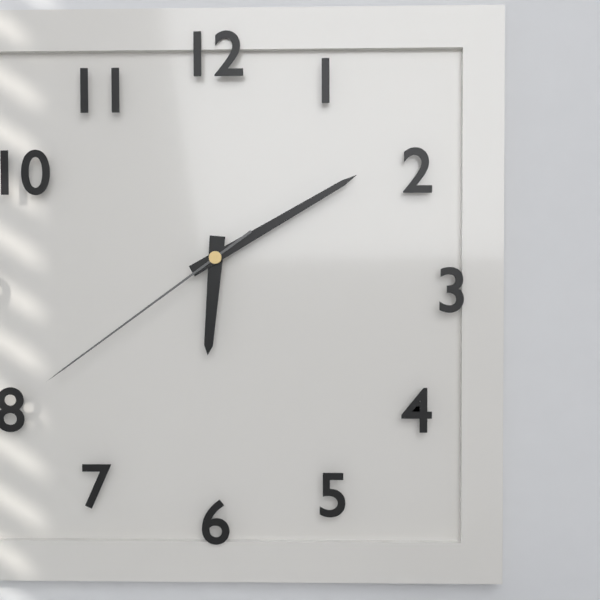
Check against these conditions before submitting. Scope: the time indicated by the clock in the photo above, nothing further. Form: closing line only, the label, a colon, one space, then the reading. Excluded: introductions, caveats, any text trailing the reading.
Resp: 6:10:39
